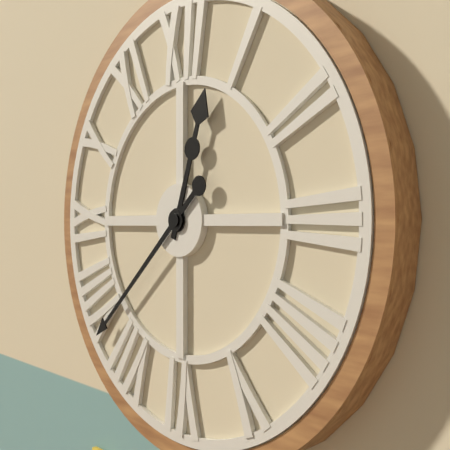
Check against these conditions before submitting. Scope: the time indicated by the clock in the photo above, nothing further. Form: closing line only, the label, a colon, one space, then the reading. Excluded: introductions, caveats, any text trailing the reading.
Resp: 12:38
